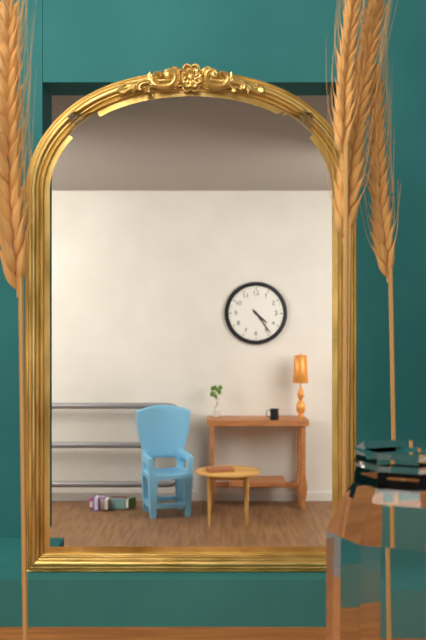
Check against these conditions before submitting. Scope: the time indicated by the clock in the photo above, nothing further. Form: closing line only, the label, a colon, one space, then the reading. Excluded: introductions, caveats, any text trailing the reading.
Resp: 4:24
